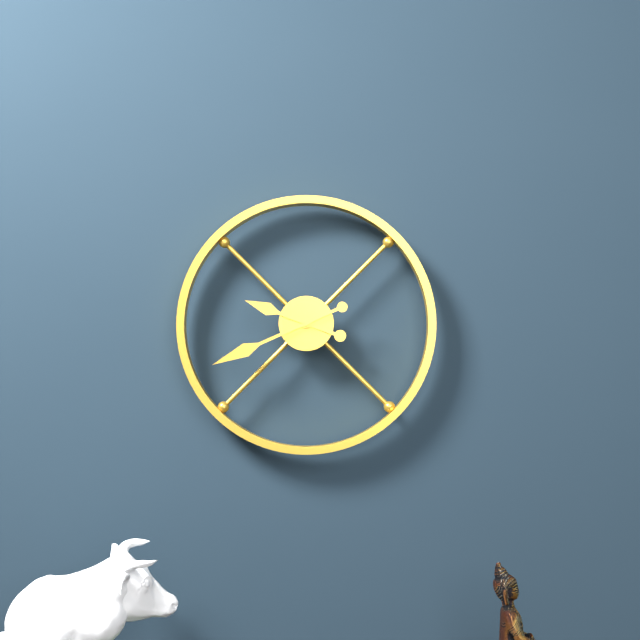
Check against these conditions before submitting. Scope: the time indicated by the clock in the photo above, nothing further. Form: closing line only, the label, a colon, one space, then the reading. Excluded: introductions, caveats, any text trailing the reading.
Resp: 9:41
